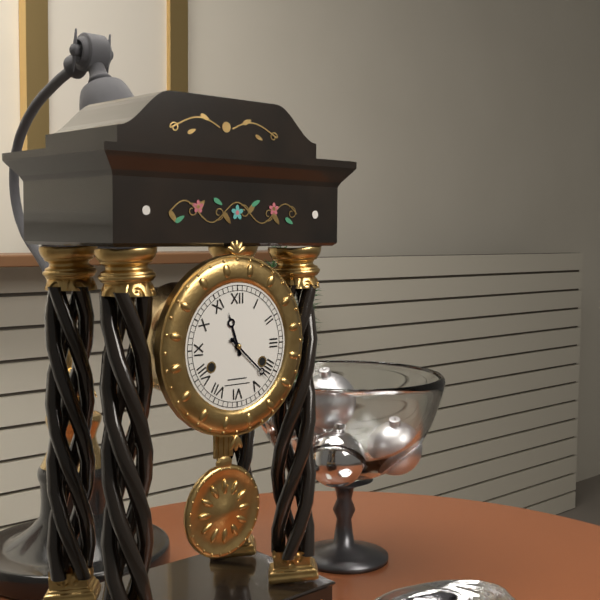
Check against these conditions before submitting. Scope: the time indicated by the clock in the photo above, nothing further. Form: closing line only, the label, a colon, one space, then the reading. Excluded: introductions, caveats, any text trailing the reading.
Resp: 11:22
